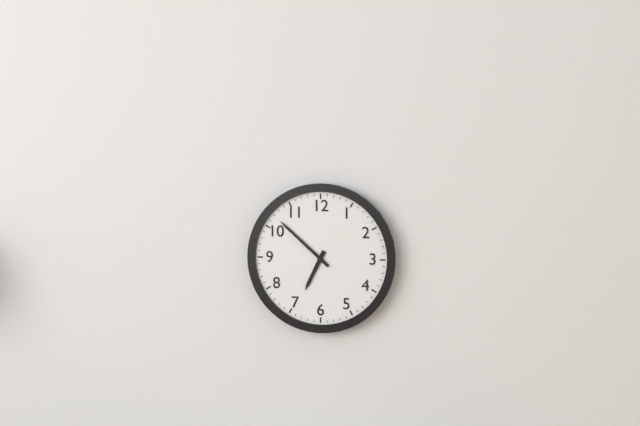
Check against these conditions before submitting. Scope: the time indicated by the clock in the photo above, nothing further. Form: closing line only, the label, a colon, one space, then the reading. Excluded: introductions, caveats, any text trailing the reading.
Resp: 6:52
